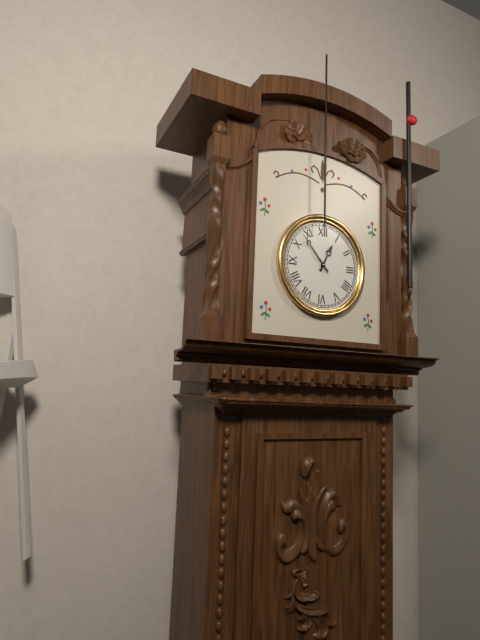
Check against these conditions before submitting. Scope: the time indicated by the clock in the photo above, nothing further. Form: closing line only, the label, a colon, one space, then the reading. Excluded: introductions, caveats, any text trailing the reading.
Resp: 12:53
